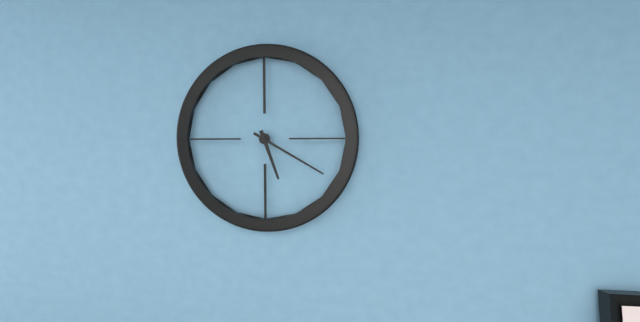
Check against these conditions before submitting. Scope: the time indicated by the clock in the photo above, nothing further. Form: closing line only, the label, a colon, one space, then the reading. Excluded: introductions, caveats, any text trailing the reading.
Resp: 5:20
